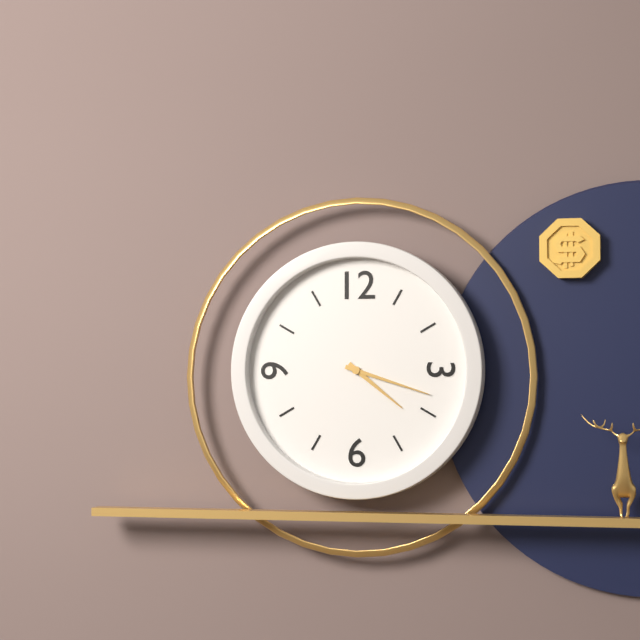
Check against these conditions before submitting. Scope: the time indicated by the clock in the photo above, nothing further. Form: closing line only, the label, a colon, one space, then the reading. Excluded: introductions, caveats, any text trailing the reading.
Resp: 4:18
